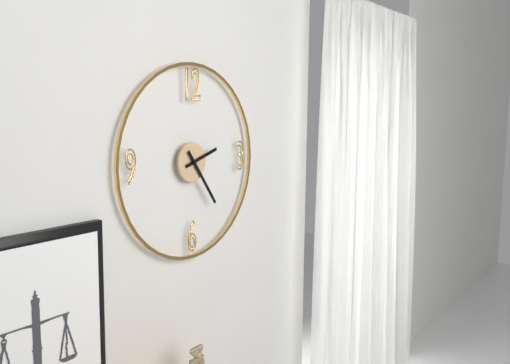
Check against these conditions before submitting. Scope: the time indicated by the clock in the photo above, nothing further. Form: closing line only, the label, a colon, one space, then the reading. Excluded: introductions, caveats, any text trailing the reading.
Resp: 2:24
